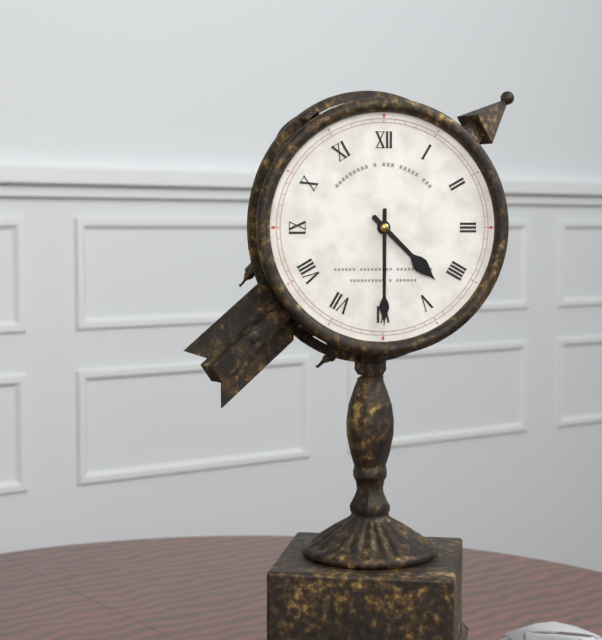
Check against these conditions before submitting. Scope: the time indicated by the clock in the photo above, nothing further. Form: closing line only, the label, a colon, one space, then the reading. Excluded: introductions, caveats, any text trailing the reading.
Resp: 4:30
